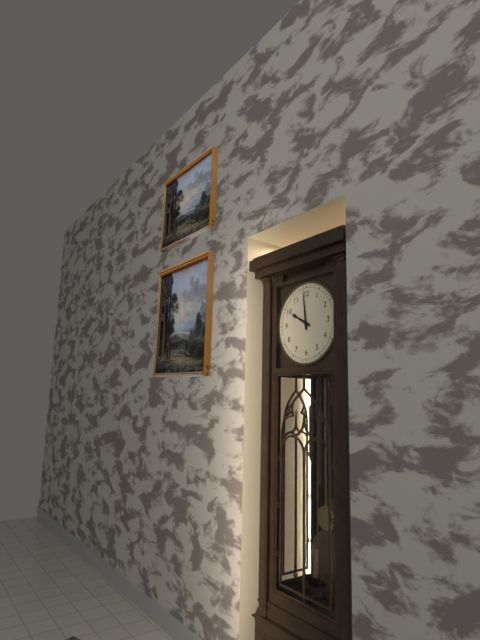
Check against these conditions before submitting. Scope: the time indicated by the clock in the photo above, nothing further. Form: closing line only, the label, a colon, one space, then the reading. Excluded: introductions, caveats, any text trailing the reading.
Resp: 9:59
